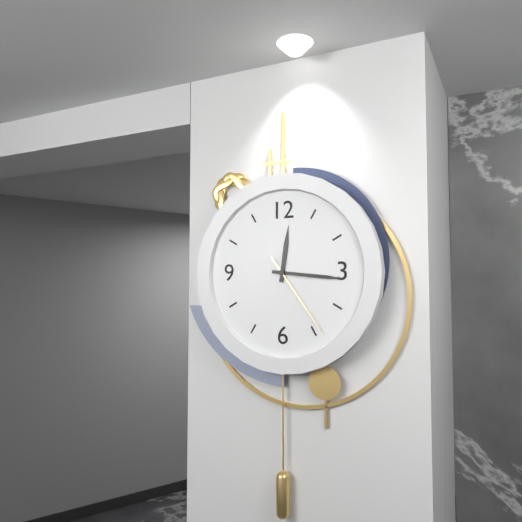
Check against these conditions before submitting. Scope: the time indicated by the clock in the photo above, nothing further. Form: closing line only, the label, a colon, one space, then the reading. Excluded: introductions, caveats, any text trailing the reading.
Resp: 12:16:24
